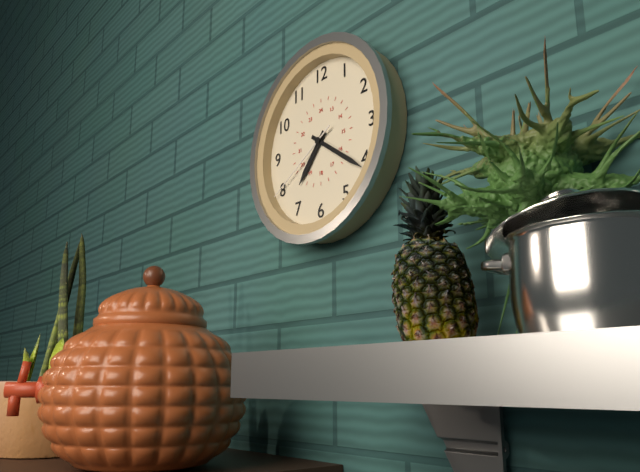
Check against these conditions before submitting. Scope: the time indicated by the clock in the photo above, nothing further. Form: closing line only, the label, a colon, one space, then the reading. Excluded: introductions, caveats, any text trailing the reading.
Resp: 7:21:40
